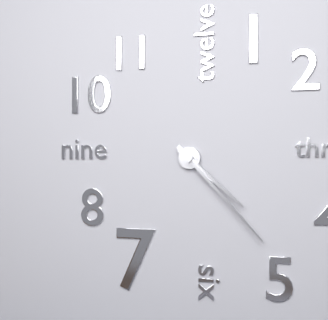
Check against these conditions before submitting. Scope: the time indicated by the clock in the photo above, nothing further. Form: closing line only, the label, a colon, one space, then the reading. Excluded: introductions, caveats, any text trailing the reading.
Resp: 4:23
